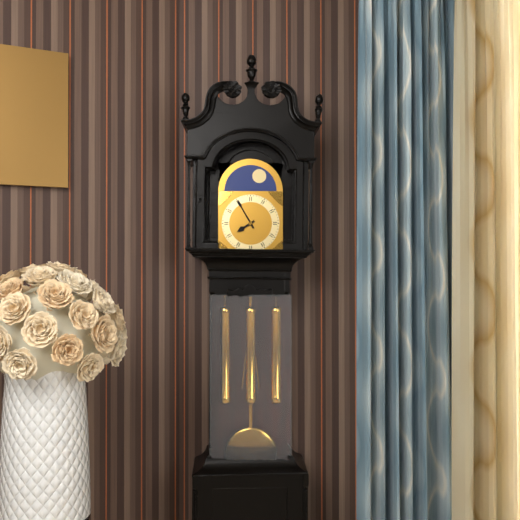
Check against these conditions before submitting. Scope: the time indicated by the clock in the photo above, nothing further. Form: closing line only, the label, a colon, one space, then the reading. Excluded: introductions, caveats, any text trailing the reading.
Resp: 7:55
